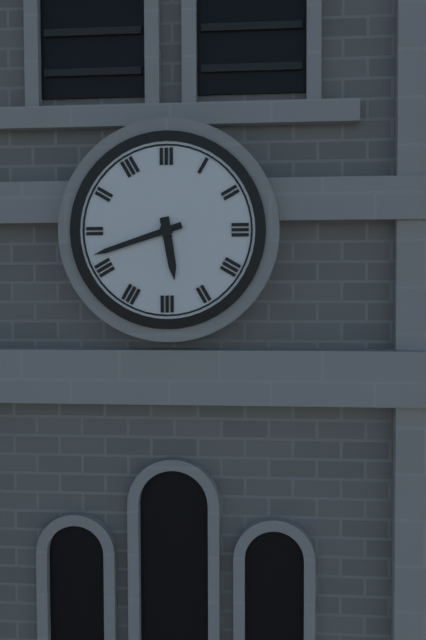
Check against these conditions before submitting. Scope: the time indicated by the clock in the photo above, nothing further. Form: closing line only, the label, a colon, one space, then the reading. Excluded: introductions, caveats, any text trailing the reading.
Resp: 5:42
